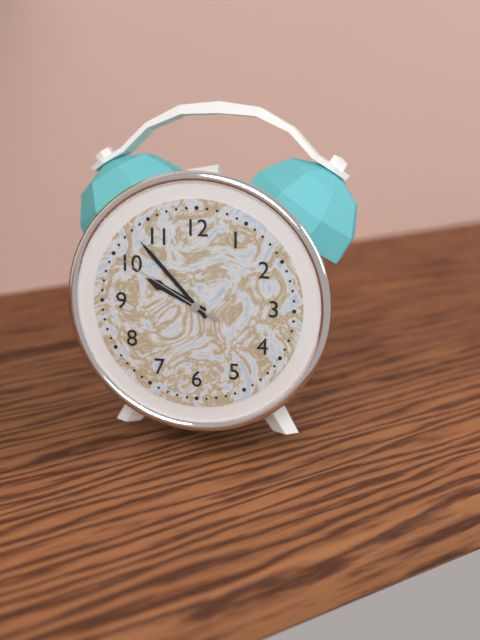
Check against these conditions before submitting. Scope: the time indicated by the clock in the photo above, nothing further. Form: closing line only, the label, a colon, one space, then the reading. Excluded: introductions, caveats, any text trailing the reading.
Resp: 9:53:50
